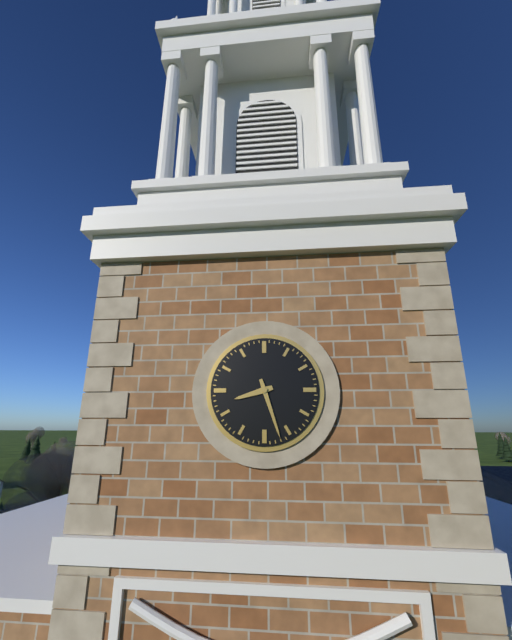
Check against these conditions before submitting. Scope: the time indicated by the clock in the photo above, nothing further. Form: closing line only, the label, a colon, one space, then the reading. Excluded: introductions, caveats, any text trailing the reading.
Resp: 8:27
